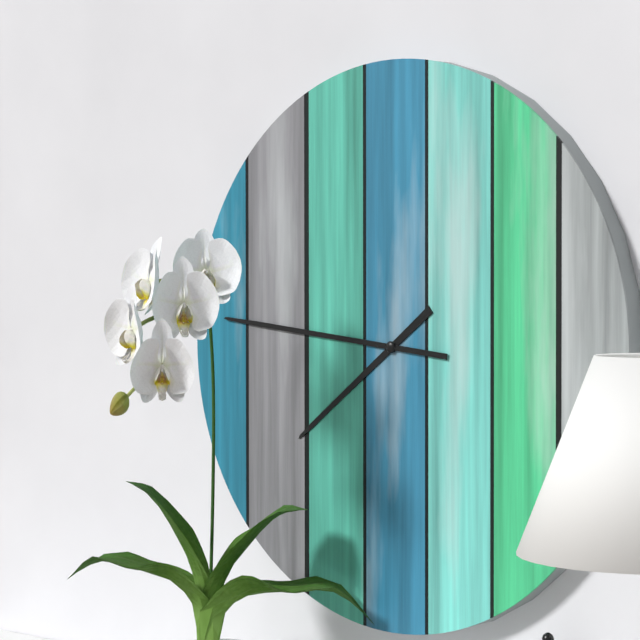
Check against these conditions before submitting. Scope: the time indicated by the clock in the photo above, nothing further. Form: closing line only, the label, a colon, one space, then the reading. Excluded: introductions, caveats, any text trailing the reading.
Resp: 7:46
